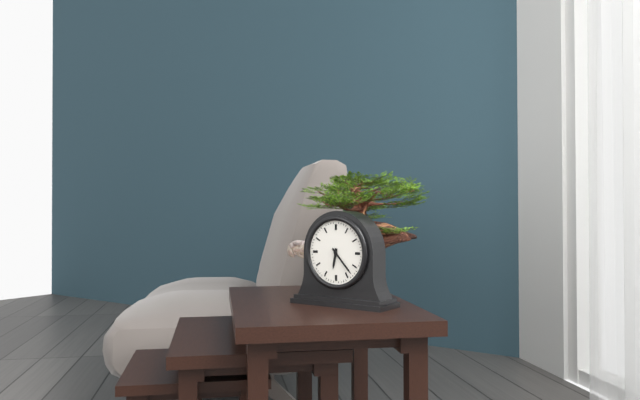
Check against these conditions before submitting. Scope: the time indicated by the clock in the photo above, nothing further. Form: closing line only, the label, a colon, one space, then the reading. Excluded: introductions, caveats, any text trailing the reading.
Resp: 6:23
